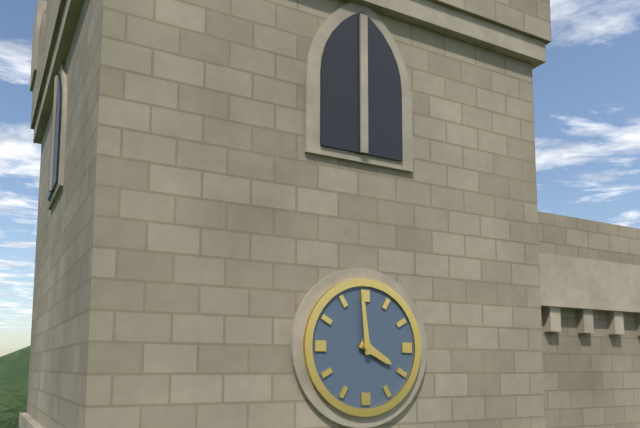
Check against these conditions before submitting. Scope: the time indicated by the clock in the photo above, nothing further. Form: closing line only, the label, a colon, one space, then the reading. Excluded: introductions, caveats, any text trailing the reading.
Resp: 3:59
